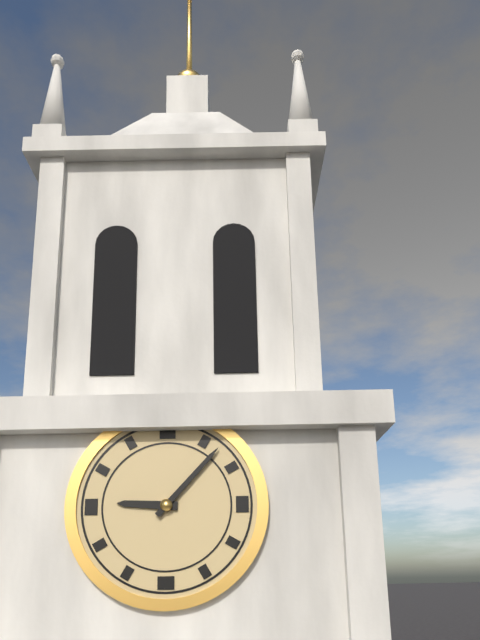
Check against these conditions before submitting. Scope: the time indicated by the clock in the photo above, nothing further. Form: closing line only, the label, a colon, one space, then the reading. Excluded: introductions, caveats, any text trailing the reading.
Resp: 9:07
